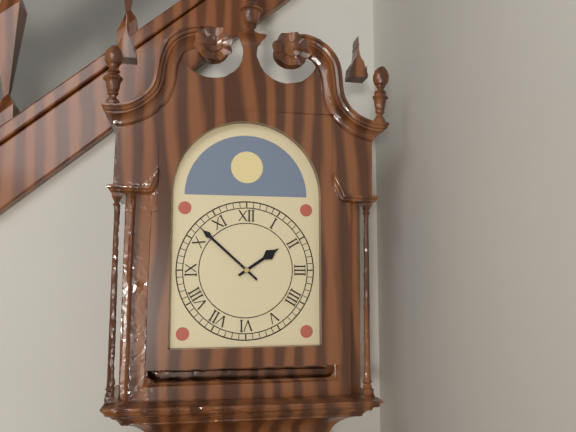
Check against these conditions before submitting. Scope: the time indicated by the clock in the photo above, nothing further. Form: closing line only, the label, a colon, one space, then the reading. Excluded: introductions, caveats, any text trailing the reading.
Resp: 1:52
